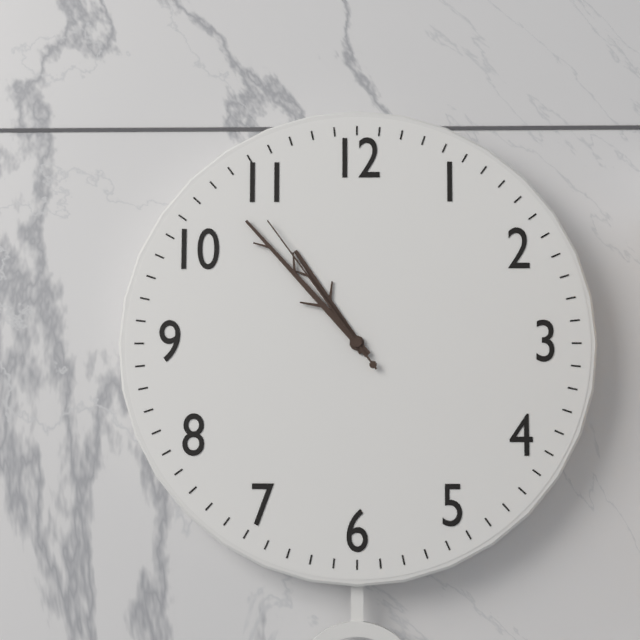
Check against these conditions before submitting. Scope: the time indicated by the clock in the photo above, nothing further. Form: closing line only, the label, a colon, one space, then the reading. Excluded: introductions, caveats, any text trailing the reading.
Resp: 10:53:54
